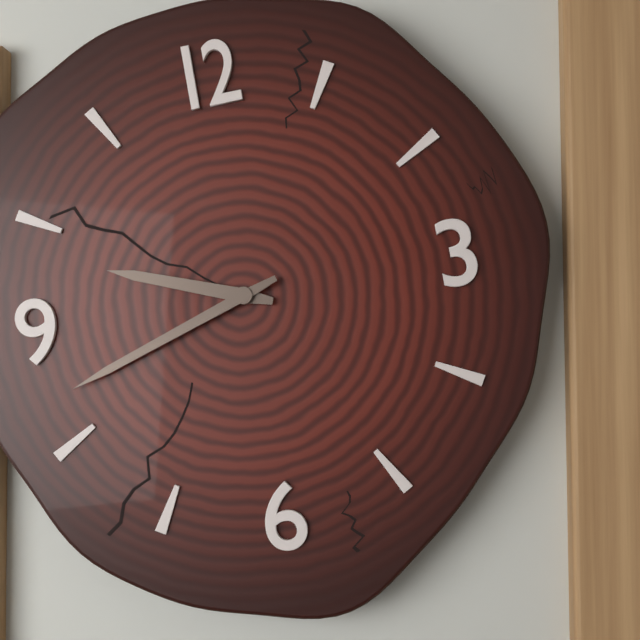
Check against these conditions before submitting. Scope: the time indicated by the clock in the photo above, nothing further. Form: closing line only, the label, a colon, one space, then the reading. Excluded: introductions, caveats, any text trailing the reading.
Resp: 9:42
